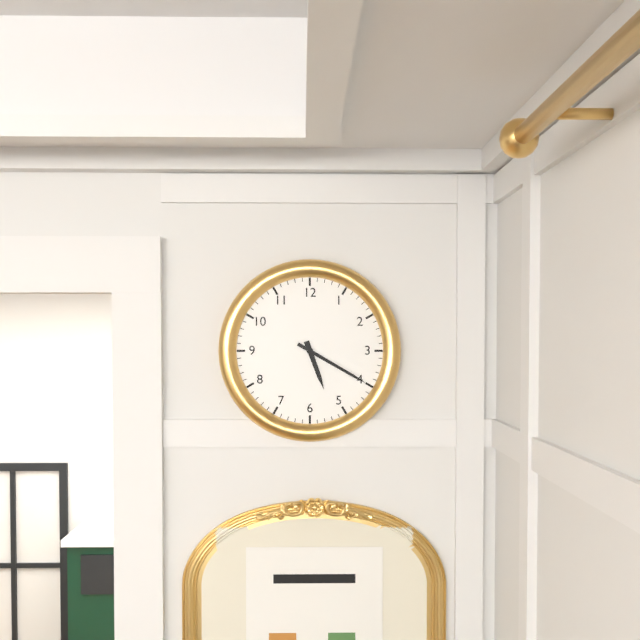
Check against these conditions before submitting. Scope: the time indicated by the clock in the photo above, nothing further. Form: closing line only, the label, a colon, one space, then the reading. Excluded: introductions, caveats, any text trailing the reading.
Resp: 5:20
